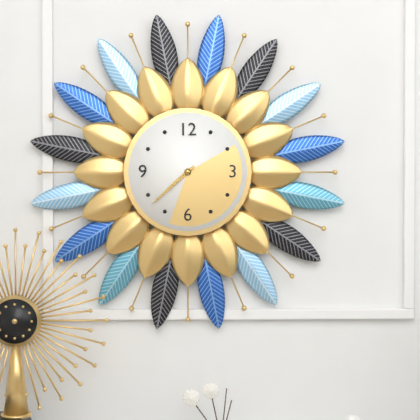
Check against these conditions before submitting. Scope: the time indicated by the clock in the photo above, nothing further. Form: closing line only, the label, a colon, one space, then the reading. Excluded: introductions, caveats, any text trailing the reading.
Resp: 7:38
